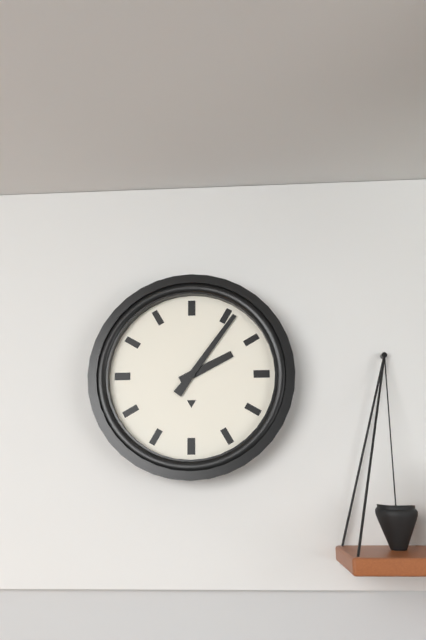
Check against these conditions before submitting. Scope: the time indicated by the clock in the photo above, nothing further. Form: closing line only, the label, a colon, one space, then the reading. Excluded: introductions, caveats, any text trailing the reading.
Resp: 2:06
